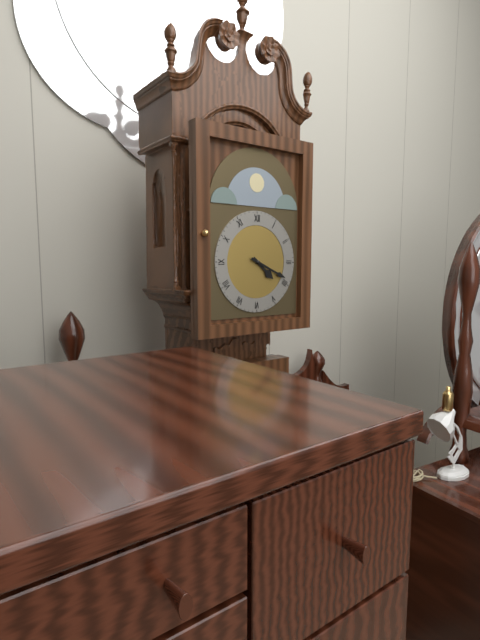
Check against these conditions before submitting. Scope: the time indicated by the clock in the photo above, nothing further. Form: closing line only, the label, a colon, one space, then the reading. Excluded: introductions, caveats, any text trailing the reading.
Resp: 4:19
